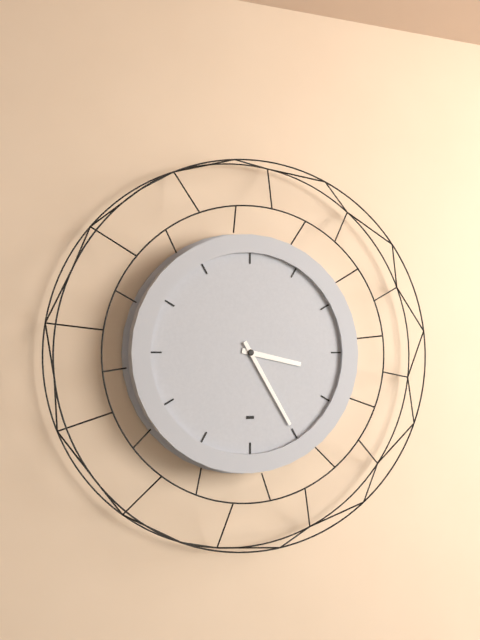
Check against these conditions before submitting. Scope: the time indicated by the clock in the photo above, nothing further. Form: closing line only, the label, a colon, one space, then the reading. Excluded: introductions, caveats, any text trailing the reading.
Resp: 3:25
